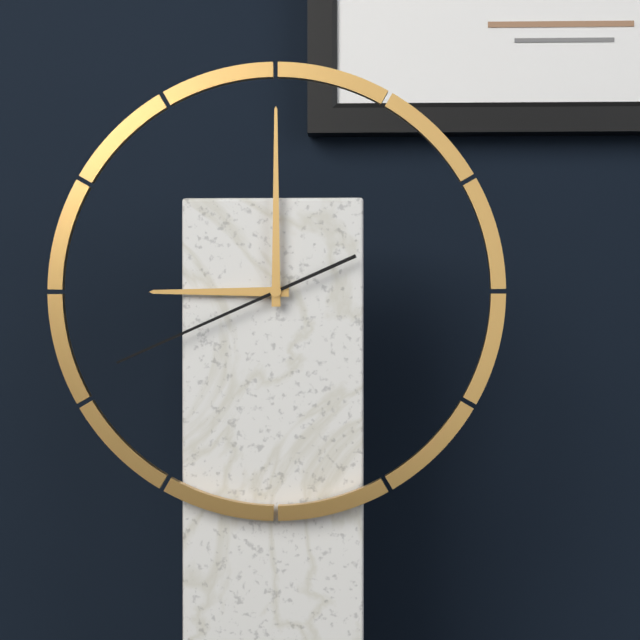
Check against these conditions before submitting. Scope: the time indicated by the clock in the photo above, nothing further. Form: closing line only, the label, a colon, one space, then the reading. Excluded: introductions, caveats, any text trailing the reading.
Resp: 9:00:41
